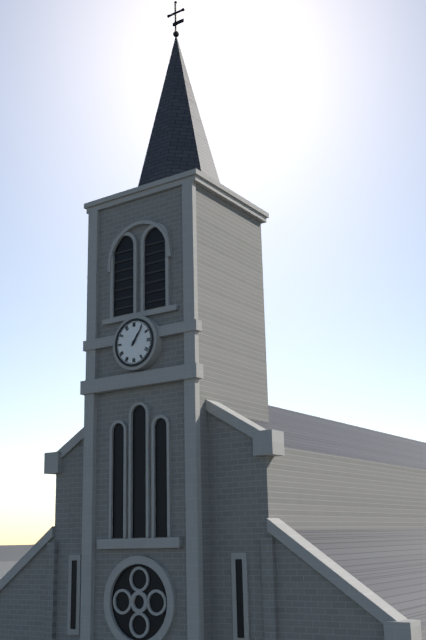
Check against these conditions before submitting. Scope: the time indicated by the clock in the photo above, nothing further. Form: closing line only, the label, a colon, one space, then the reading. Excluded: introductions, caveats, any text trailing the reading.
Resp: 1:06
